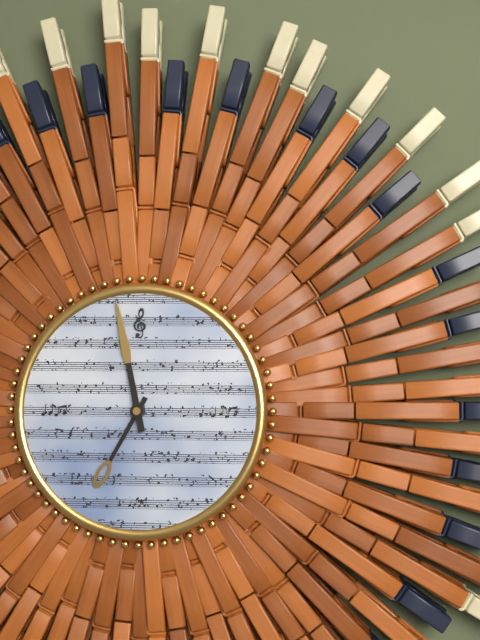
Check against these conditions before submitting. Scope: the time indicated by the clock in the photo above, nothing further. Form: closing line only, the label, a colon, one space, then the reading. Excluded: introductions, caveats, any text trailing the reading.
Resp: 6:58
